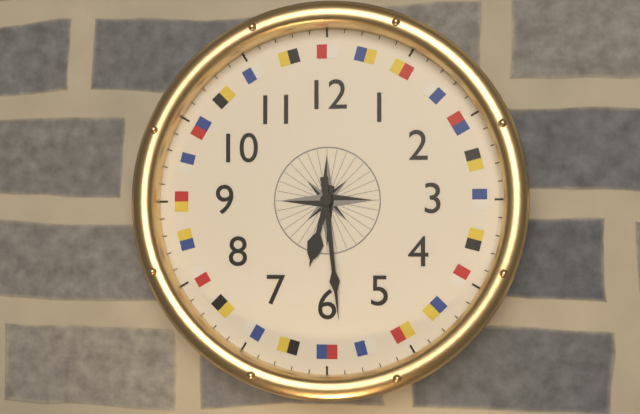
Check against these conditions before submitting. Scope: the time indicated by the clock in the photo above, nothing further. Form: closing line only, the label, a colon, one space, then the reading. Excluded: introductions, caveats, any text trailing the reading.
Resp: 6:29
